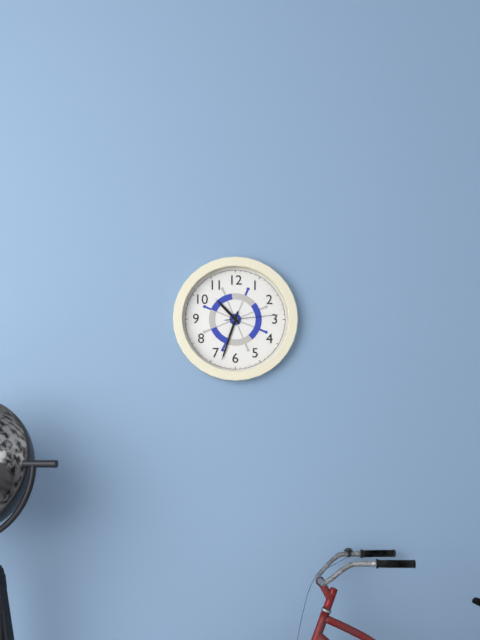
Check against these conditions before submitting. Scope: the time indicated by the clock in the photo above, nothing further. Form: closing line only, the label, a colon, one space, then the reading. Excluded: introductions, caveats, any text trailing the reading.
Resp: 10:33:14
